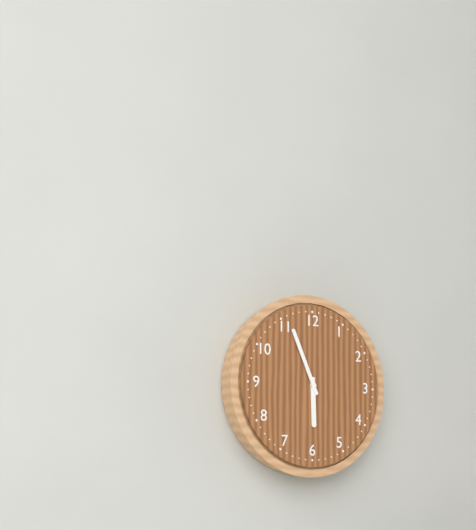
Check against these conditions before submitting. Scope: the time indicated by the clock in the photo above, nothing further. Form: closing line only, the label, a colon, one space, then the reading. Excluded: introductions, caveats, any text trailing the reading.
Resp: 5:56
